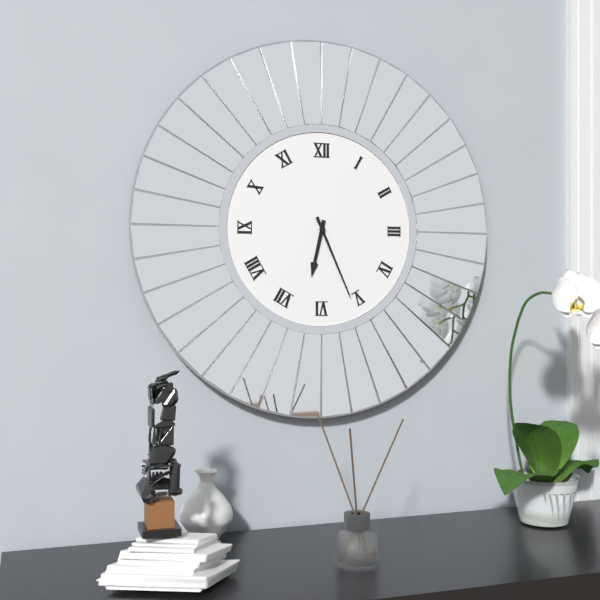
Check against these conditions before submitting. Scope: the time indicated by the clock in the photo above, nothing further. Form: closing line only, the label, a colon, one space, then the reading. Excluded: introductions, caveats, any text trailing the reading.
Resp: 6:26
